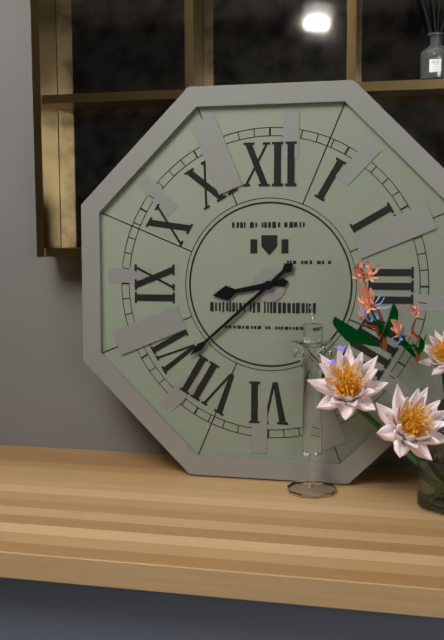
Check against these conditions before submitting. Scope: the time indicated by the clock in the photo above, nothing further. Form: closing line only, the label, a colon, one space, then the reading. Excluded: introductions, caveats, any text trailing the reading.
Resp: 8:38
